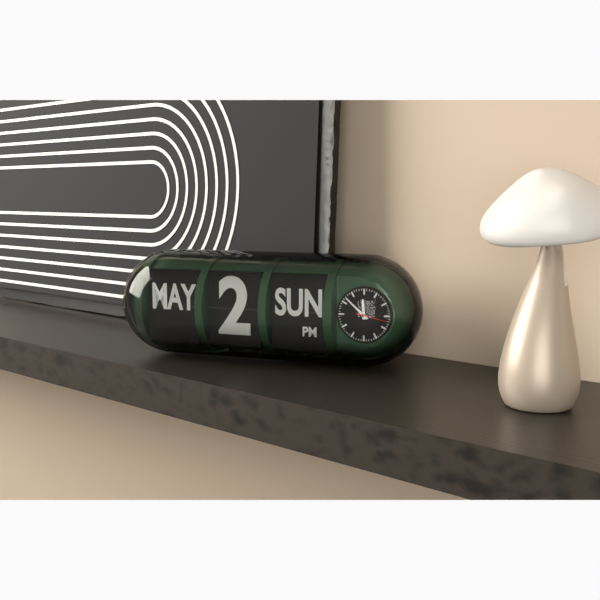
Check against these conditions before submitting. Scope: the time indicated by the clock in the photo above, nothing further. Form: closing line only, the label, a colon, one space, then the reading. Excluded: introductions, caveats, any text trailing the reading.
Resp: 11:52
